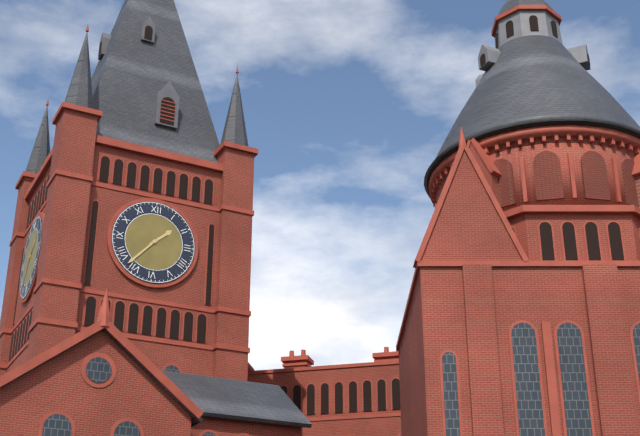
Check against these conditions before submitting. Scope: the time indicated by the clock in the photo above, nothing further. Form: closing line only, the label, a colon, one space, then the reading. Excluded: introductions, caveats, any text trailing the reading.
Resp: 1:37
